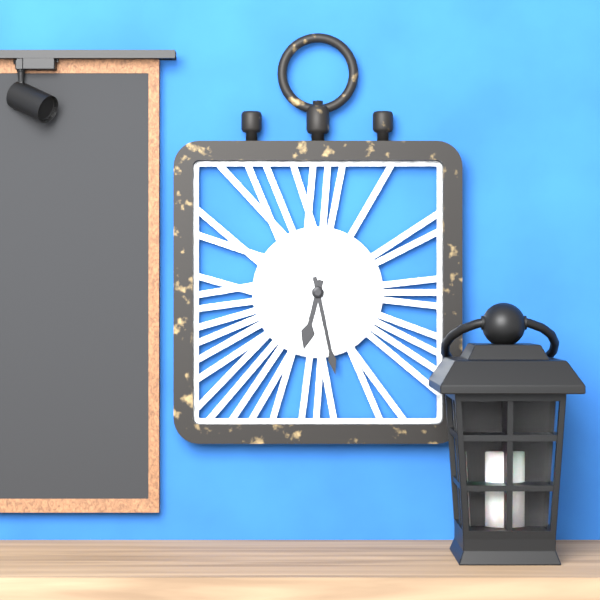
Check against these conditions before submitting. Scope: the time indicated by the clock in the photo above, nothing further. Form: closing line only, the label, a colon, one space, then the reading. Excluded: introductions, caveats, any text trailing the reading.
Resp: 6:28
